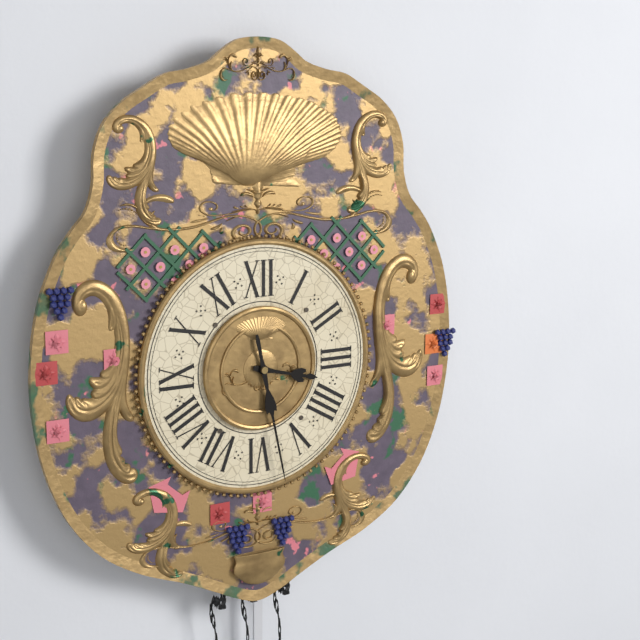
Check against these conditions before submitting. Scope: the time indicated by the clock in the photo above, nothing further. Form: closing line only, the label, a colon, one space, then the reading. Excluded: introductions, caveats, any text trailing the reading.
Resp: 3:28
